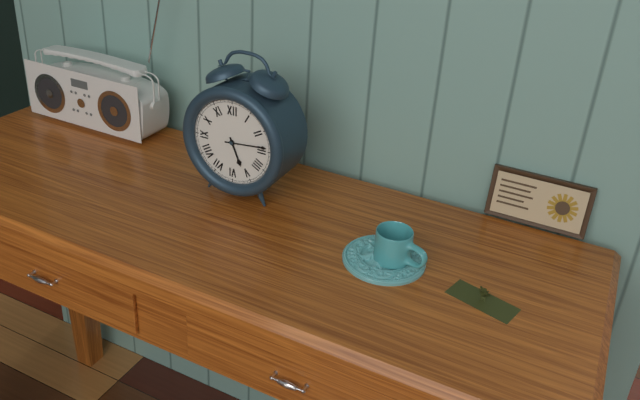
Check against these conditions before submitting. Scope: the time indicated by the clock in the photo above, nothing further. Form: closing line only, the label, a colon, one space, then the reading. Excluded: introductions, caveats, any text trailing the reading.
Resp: 5:14
